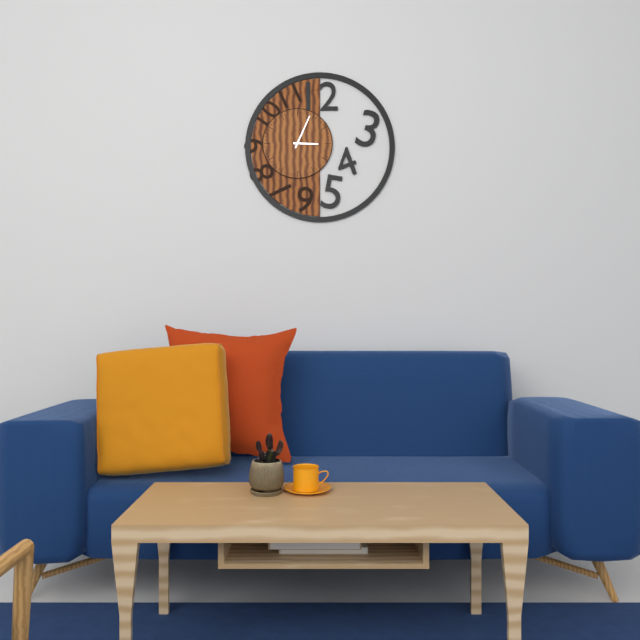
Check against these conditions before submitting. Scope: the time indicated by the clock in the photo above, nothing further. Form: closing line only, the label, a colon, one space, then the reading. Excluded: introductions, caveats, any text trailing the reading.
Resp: 3:04
